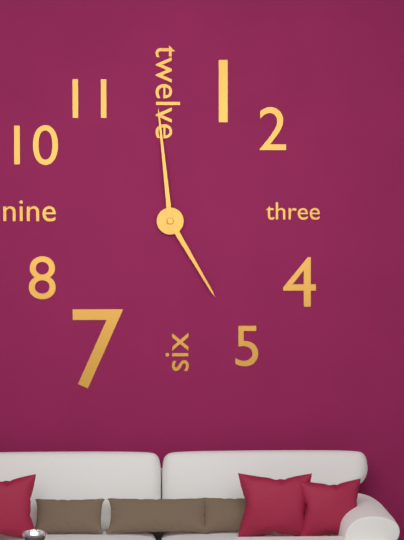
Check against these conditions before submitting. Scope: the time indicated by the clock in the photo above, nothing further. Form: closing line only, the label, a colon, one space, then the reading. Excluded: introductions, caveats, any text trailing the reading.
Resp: 4:59
